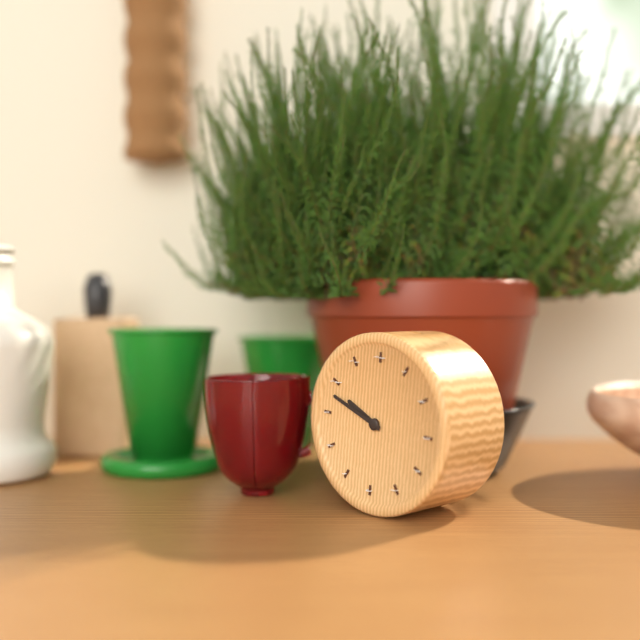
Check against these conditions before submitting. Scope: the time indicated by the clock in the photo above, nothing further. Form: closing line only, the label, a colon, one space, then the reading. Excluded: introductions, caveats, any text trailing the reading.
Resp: 9:48
